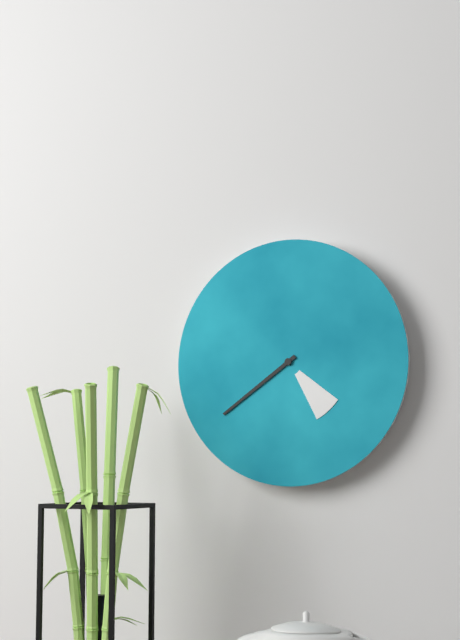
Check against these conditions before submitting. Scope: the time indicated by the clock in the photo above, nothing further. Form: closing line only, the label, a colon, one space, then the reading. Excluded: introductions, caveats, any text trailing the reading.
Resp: 4:39
